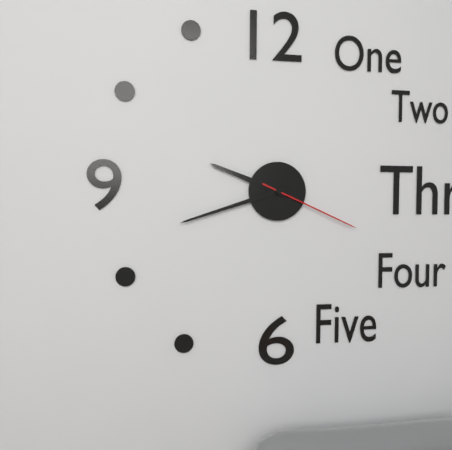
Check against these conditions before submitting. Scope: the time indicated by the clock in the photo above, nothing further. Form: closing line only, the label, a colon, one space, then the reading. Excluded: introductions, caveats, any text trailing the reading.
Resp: 9:42:19
